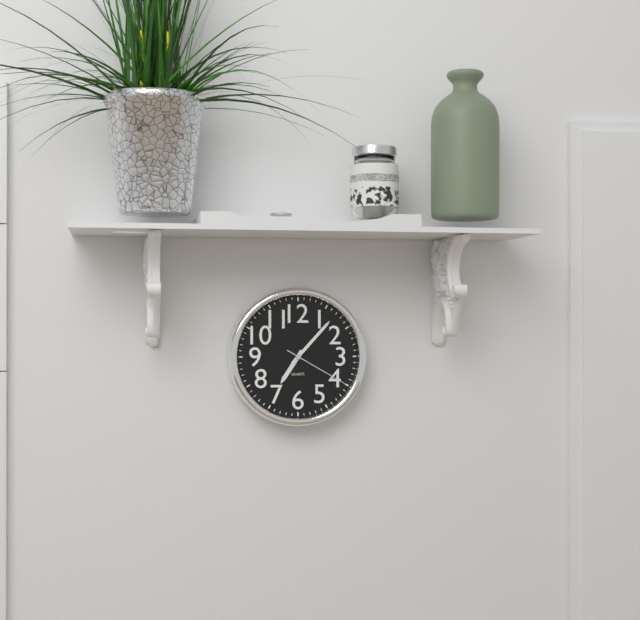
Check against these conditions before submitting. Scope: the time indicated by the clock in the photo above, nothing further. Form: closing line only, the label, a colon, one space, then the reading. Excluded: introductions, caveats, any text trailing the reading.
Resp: 7:07:20
